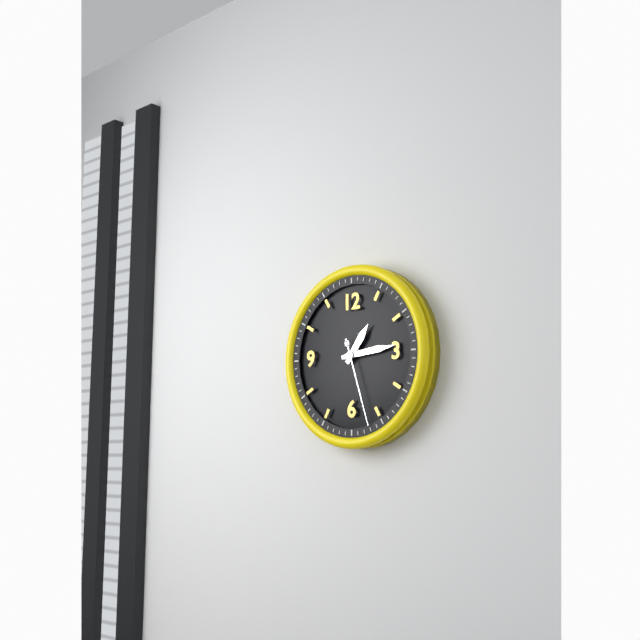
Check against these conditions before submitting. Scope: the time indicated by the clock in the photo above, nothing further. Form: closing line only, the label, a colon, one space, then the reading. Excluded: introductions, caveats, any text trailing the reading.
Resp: 1:14:27
